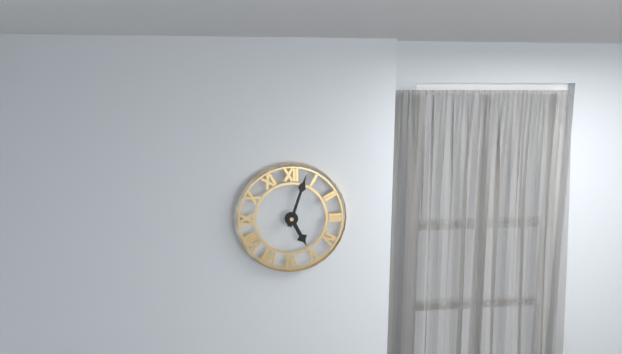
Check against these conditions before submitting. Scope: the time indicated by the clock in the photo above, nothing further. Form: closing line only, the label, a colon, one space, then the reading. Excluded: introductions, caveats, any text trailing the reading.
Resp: 5:03
